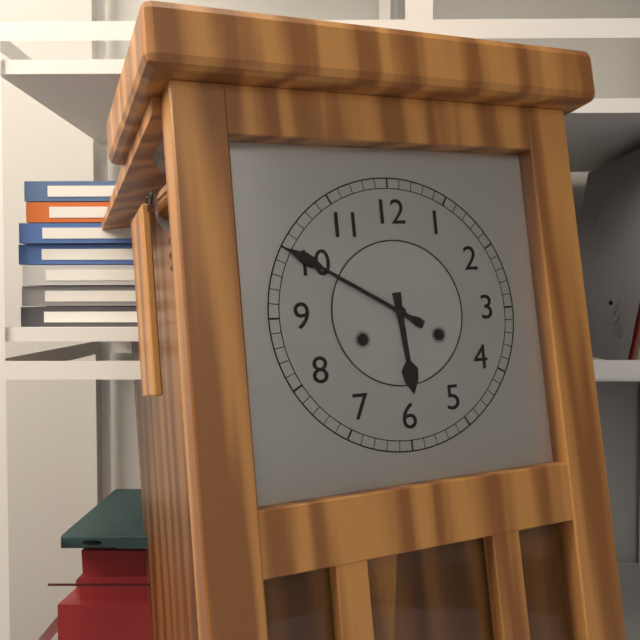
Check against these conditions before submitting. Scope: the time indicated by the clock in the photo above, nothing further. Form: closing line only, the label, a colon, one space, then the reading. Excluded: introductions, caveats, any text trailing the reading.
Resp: 5:50
